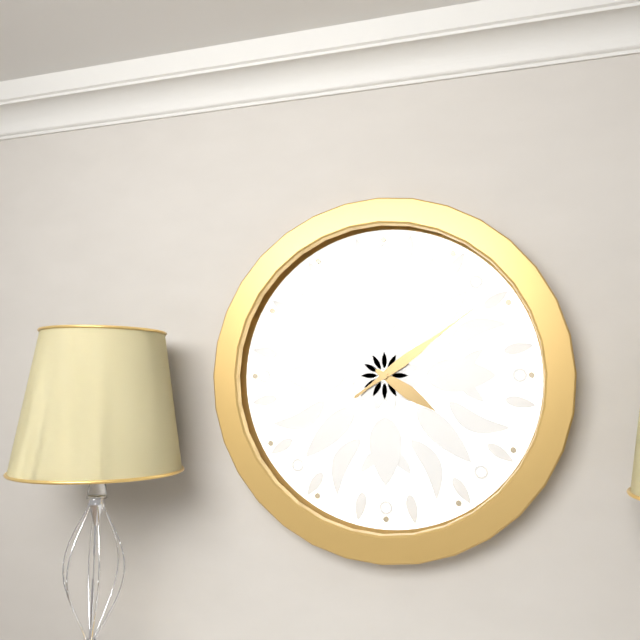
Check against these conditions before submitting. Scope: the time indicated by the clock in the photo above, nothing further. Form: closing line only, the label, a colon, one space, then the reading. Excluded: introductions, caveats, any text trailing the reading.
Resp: 4:09
